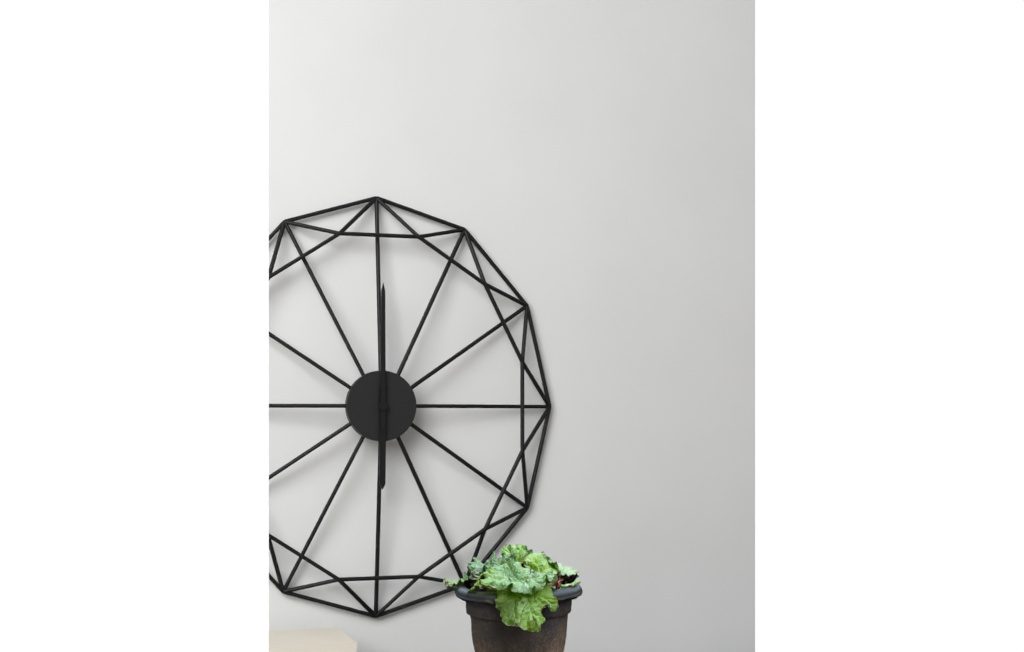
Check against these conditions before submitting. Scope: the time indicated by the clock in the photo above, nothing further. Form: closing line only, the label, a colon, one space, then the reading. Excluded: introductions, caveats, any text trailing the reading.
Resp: 6:00
